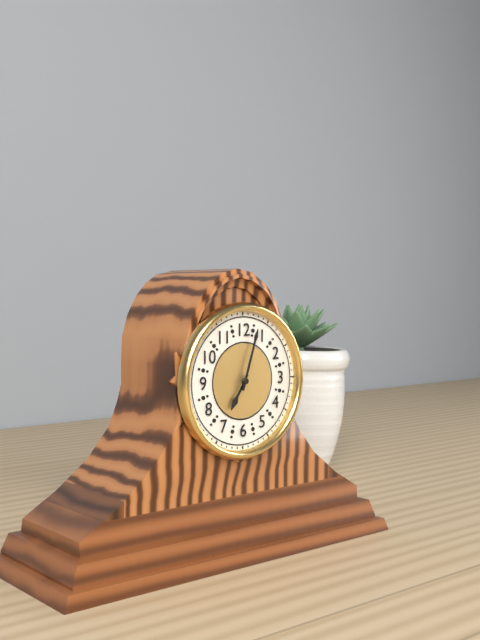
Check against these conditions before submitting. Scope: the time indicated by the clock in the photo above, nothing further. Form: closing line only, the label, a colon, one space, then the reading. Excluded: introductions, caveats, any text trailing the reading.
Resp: 7:03
